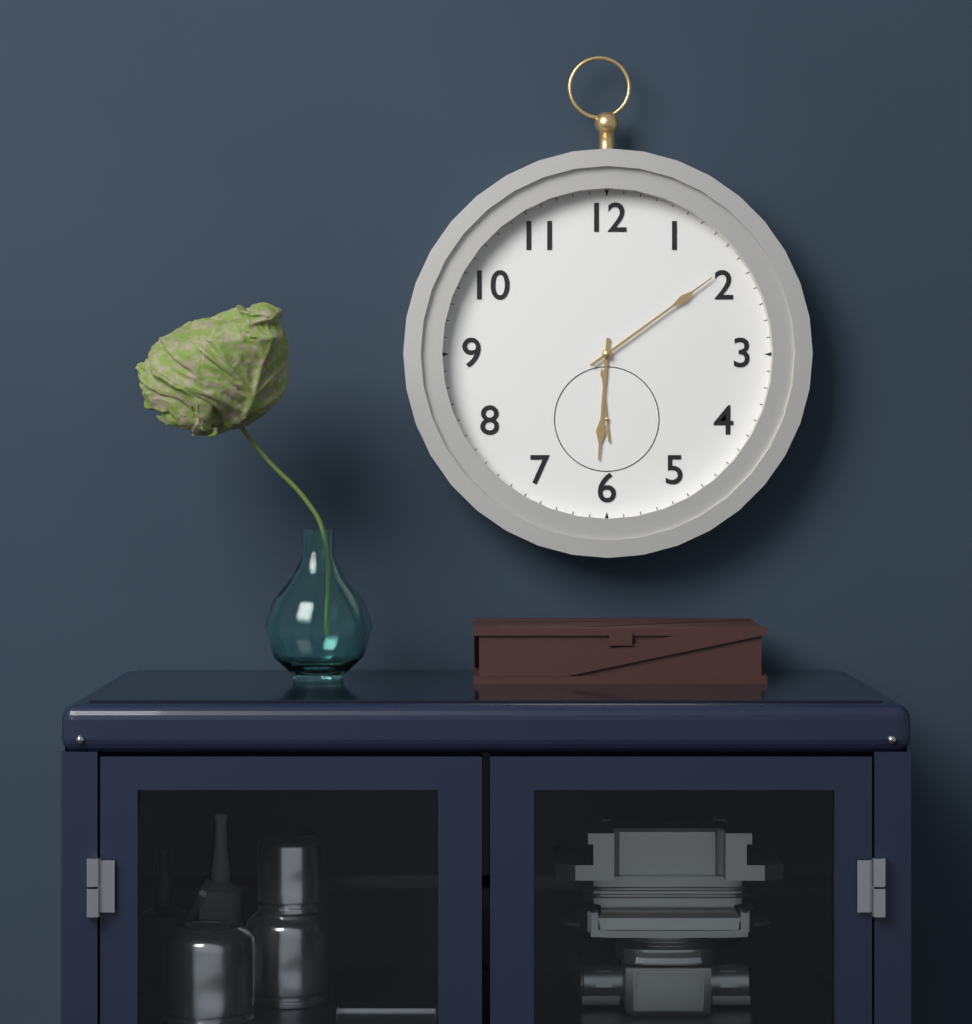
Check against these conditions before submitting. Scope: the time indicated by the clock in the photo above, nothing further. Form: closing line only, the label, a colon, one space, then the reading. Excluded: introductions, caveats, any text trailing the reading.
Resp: 6:09:59
